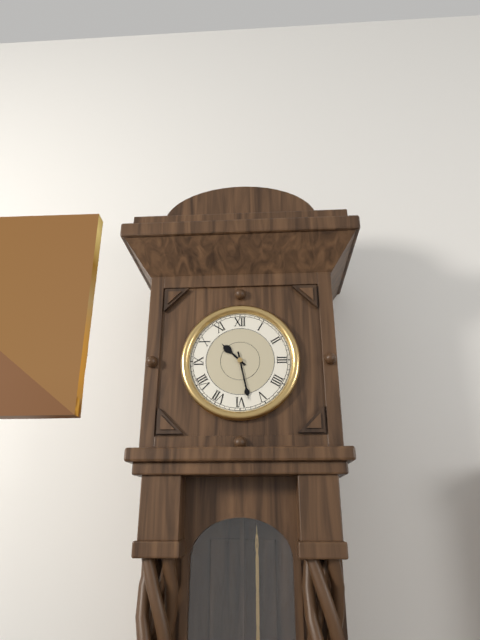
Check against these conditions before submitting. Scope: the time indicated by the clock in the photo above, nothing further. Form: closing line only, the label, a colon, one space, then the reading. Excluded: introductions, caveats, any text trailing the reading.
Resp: 10:28
